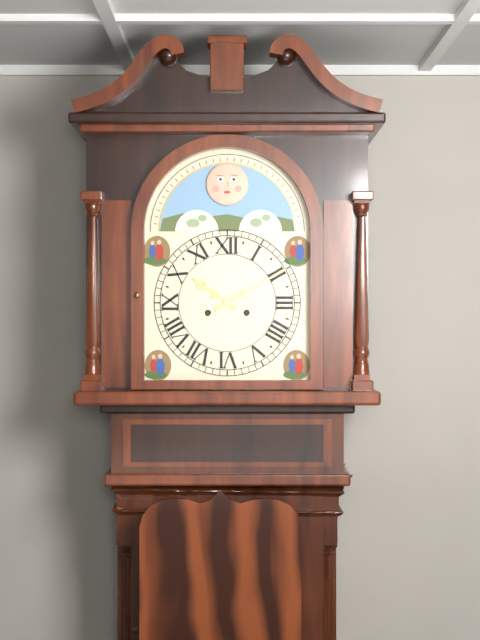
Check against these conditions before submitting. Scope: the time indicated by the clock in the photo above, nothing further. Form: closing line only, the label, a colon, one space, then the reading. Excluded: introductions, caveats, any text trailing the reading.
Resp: 10:10
